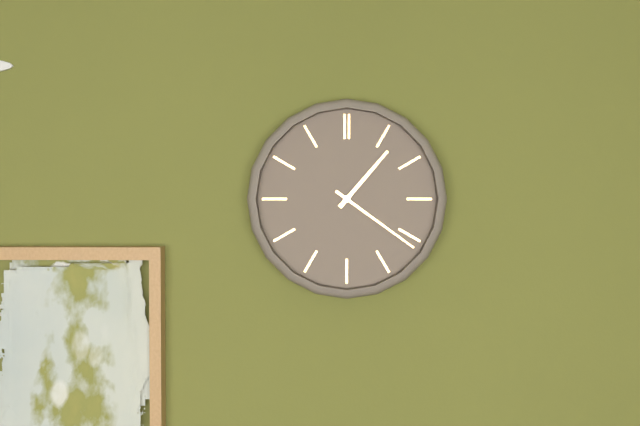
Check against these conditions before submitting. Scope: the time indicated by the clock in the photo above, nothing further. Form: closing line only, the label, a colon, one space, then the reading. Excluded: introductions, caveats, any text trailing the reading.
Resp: 1:21
